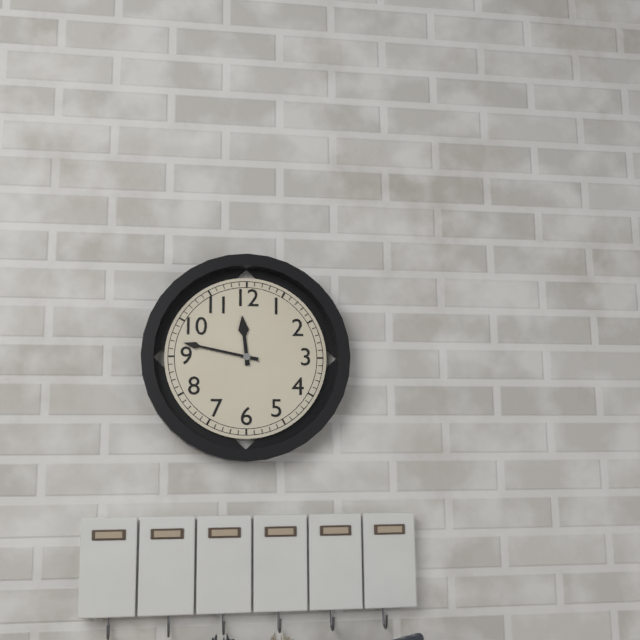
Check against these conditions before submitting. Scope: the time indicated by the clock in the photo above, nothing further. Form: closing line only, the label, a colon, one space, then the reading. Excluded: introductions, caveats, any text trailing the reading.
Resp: 11:47
